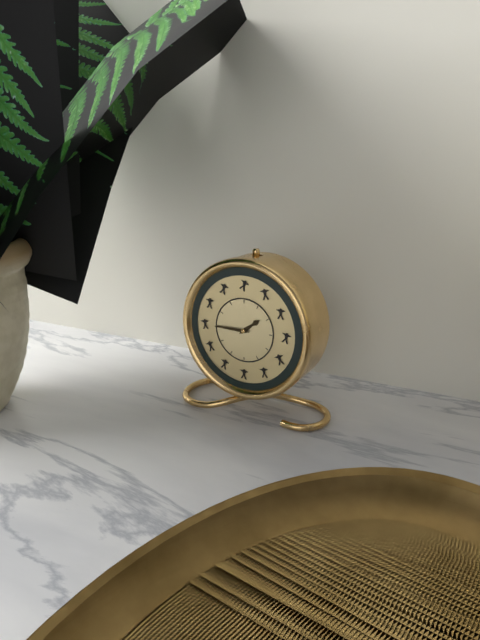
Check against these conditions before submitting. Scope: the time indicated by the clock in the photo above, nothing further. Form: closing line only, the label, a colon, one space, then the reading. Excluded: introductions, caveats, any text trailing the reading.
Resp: 1:45
